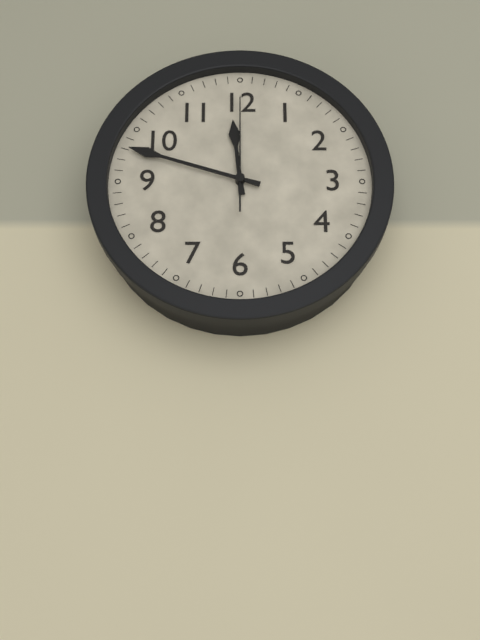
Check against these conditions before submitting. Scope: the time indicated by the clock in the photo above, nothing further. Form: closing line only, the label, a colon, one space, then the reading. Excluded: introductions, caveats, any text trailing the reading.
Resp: 11:48:00
